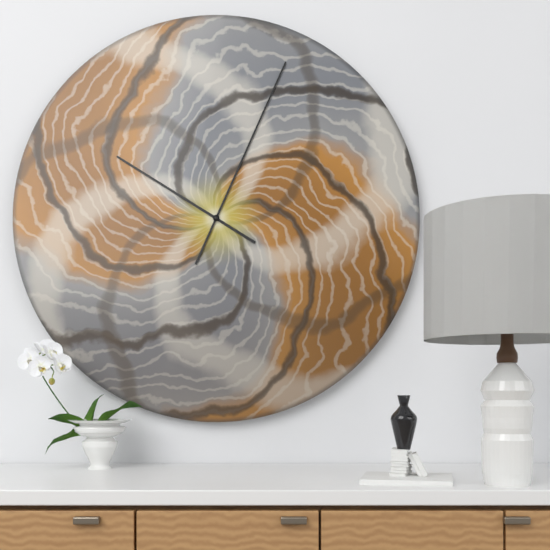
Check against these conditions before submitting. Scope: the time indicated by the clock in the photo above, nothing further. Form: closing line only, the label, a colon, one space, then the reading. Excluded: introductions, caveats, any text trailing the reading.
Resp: 10:04
